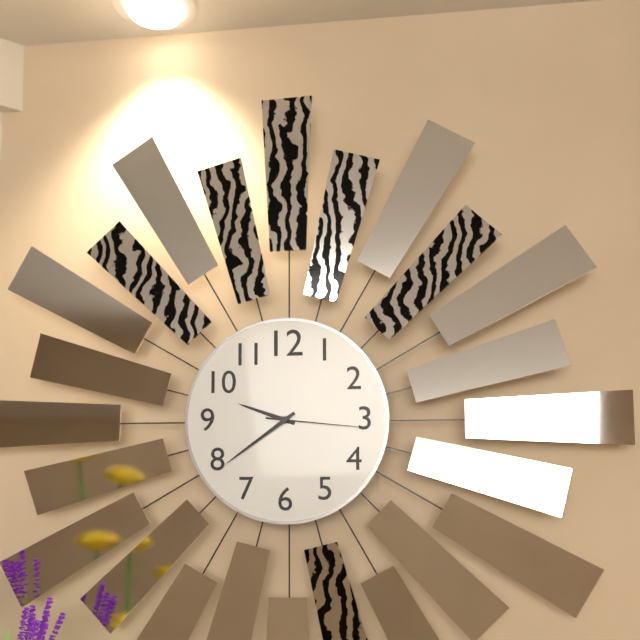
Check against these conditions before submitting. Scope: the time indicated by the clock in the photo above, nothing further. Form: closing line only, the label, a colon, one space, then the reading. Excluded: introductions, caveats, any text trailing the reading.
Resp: 9:39:16
